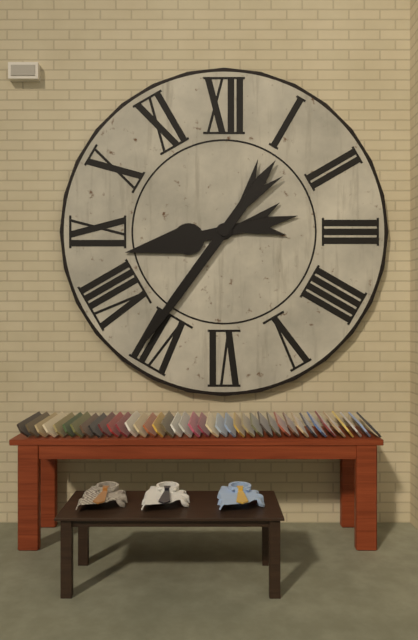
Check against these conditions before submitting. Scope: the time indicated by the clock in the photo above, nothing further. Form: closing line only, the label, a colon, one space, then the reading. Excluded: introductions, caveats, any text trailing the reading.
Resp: 8:36
